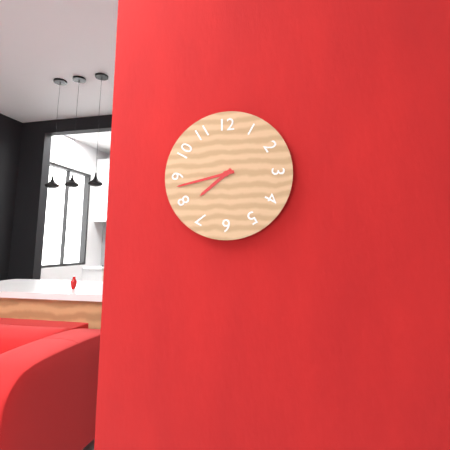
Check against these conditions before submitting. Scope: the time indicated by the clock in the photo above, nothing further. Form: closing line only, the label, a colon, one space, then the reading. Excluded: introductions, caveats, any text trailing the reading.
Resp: 7:43
